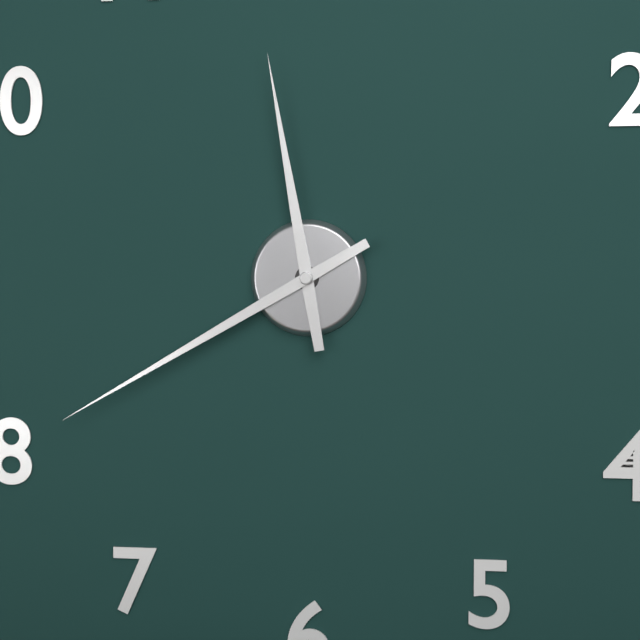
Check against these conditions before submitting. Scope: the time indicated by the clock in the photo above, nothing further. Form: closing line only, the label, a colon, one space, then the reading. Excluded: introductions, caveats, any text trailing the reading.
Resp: 11:40
